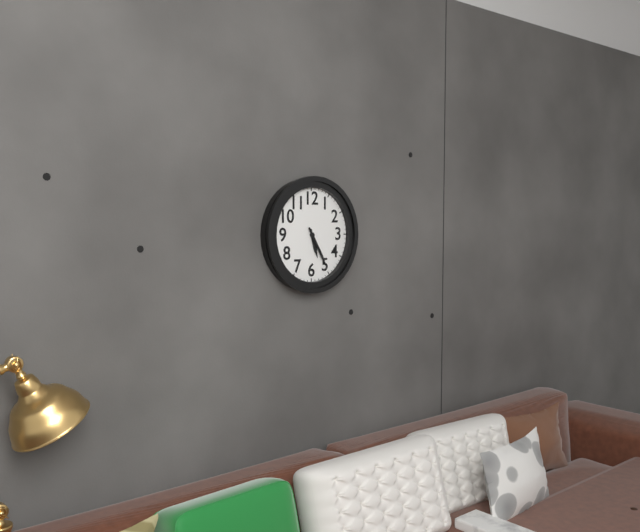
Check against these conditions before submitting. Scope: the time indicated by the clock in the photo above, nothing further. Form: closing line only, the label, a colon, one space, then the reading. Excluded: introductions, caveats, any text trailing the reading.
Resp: 5:25
